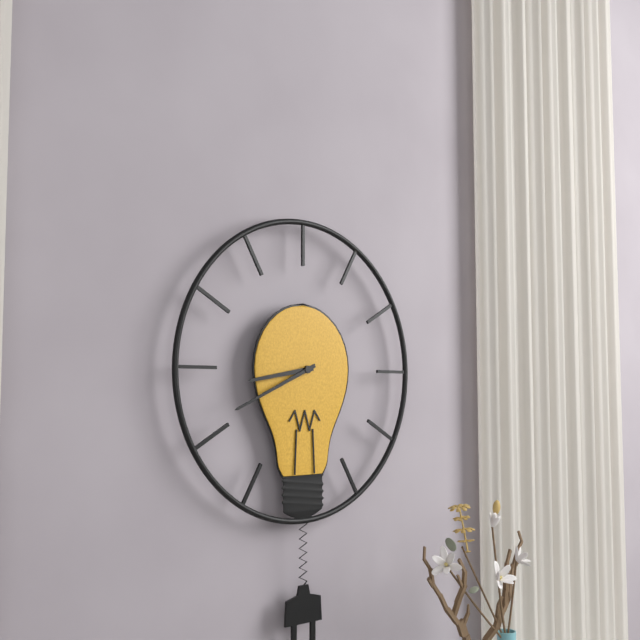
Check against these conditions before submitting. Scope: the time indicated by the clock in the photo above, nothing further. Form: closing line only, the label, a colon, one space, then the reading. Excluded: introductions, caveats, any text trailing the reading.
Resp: 8:41
